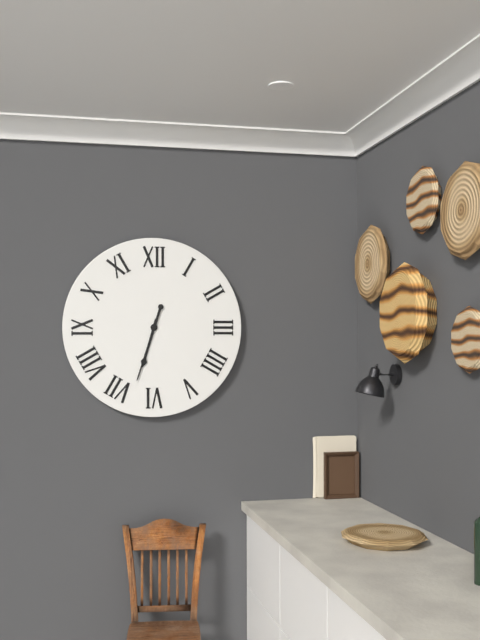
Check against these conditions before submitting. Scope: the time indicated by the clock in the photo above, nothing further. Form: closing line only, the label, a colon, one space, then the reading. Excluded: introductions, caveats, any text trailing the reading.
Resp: 6:33
